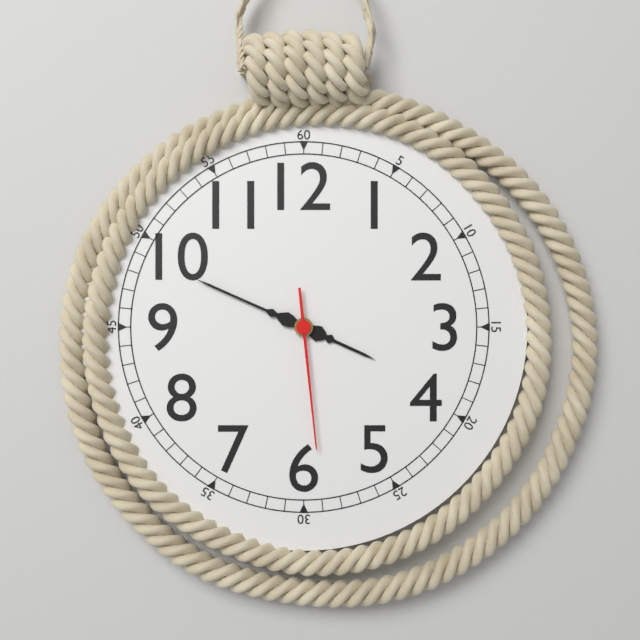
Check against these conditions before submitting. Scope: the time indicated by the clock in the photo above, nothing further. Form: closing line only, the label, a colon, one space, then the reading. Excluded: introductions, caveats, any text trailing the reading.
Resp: 3:49:29
